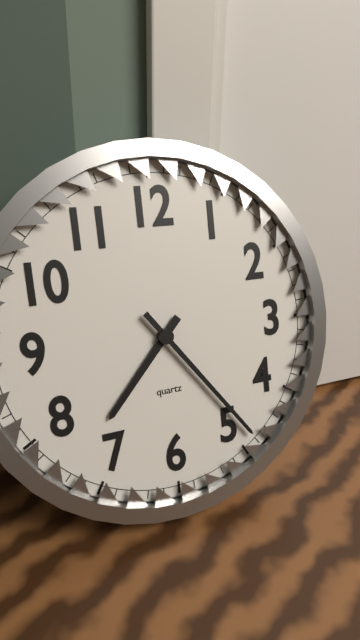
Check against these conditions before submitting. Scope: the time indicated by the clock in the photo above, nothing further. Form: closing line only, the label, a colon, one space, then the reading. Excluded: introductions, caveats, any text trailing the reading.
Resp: 7:24
